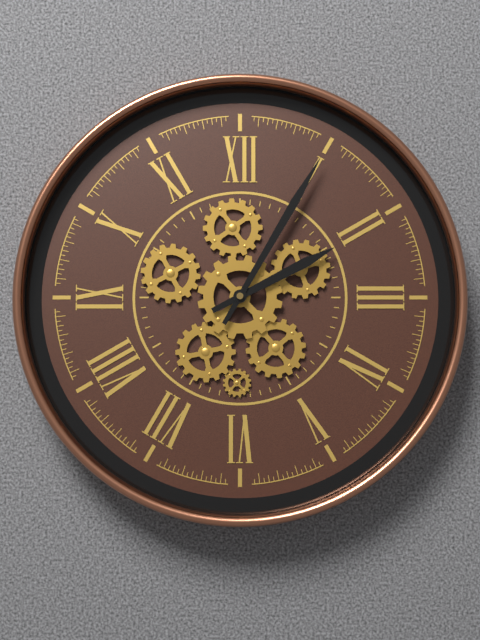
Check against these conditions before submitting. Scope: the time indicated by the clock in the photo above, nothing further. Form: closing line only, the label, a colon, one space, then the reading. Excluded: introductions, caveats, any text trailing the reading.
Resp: 2:05
